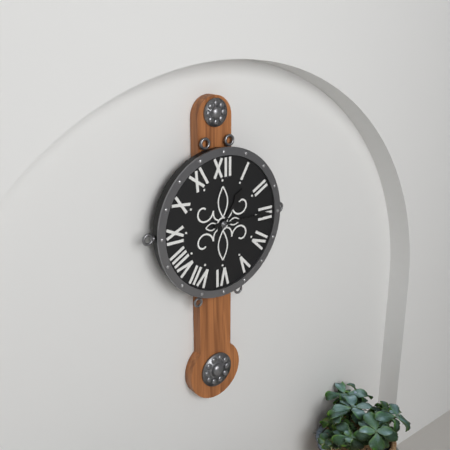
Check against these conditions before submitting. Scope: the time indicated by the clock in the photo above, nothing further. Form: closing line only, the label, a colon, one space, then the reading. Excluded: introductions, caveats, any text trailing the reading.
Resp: 1:15
